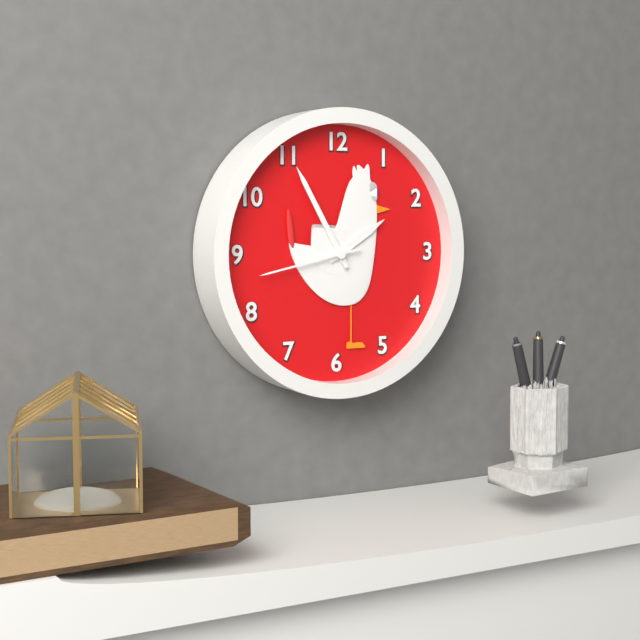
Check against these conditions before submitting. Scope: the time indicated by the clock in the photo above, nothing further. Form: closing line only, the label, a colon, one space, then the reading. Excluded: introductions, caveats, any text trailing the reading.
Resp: 1:55:43
